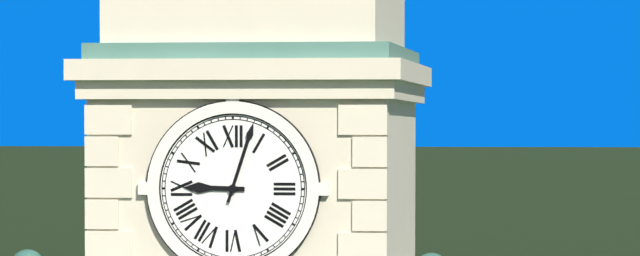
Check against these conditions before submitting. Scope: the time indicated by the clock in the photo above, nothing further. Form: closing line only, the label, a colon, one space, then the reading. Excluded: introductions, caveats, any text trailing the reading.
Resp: 9:03
